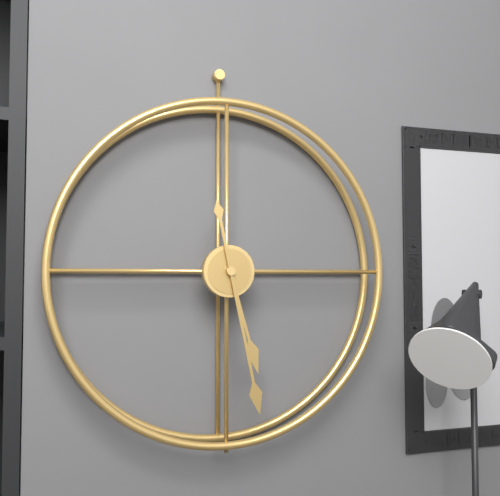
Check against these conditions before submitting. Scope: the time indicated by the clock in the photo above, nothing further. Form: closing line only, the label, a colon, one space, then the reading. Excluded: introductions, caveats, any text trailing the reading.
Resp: 5:28
